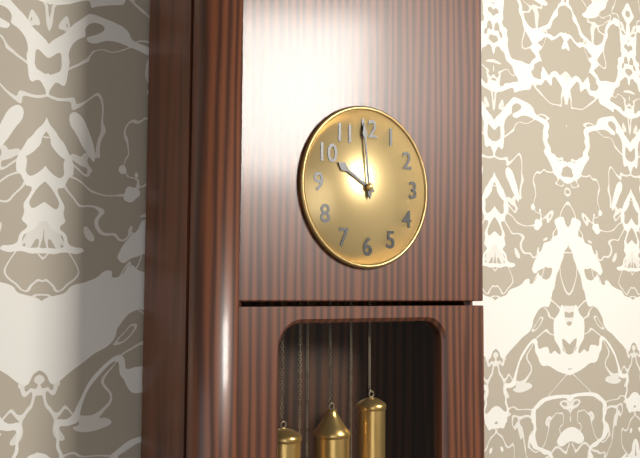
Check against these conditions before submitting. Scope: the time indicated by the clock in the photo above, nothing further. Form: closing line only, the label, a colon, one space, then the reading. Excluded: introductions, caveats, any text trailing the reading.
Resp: 9:59
